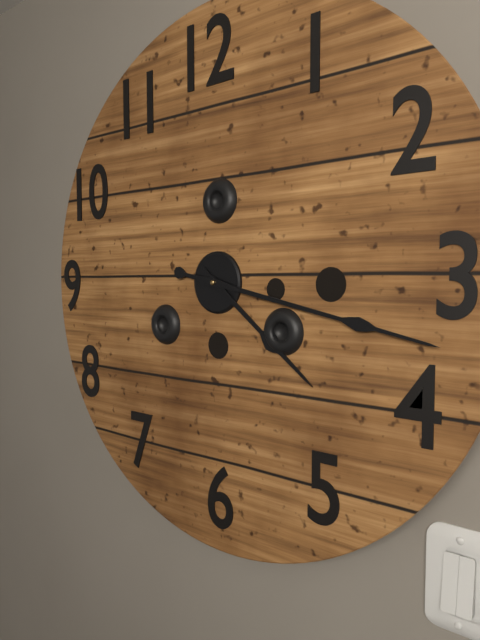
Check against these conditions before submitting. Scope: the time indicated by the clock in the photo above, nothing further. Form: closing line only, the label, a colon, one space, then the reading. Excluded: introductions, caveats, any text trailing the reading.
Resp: 4:17
